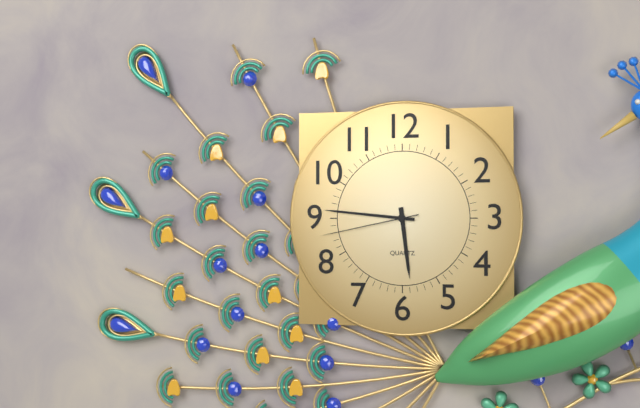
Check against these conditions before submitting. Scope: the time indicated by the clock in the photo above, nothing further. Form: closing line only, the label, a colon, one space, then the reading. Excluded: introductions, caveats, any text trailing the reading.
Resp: 5:46:43
